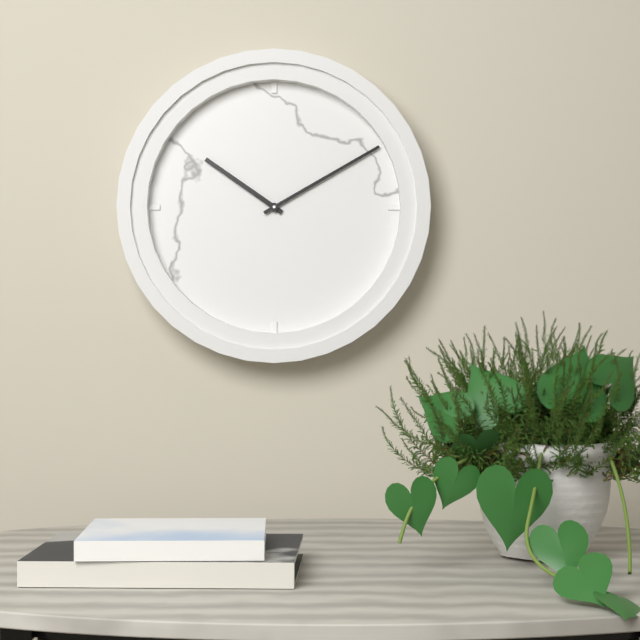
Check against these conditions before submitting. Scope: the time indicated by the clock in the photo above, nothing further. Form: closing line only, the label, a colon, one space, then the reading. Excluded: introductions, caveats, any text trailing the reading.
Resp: 10:10
